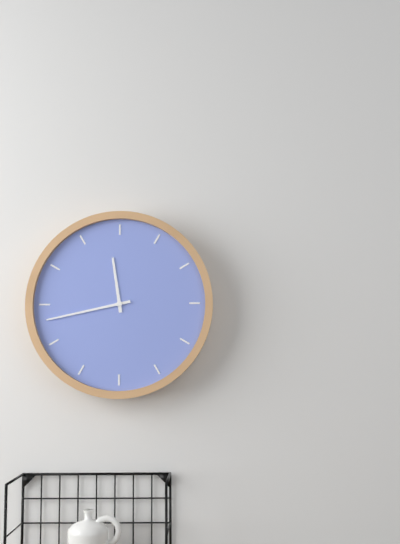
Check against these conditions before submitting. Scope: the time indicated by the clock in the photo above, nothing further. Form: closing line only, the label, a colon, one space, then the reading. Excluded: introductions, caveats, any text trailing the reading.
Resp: 11:43
